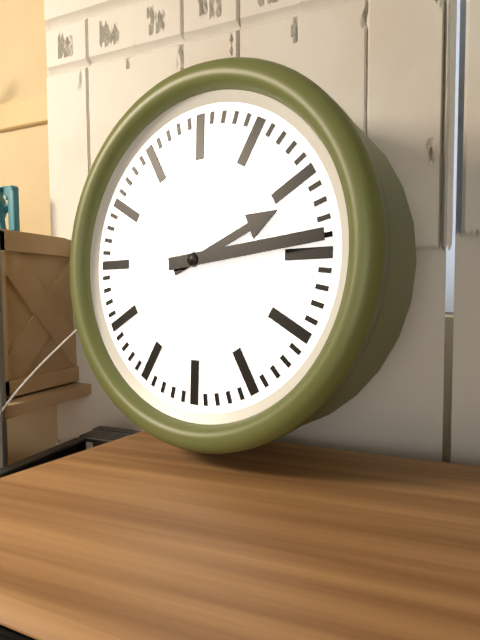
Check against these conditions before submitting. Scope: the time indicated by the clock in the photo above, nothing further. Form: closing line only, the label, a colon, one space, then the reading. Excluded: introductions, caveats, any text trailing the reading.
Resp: 2:14
